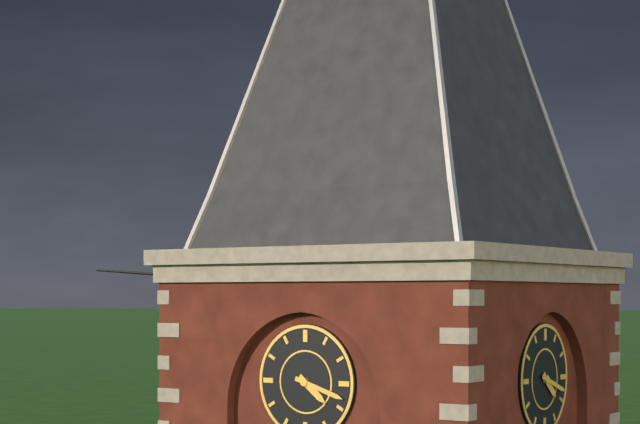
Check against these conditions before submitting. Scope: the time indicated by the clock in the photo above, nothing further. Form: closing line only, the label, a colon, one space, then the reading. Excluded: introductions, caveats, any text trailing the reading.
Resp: 4:18
